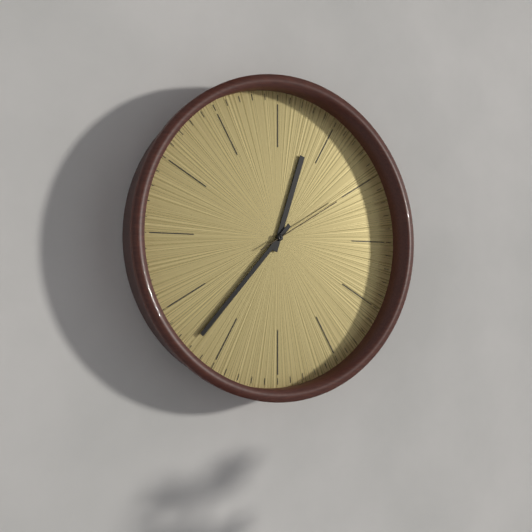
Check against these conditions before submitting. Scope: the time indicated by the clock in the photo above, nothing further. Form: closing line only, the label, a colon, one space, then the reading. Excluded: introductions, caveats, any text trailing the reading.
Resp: 12:37:10
